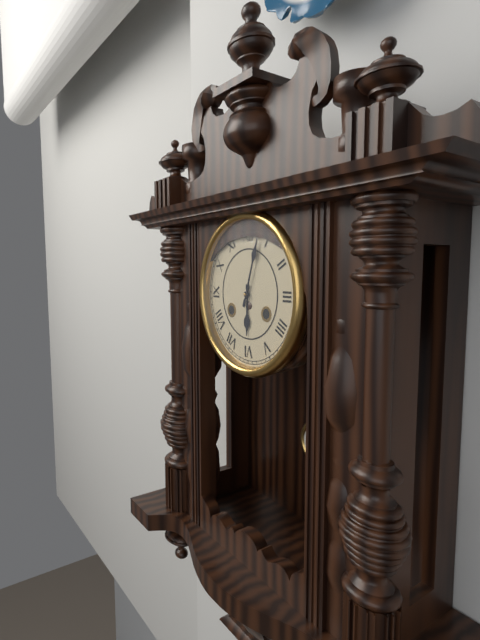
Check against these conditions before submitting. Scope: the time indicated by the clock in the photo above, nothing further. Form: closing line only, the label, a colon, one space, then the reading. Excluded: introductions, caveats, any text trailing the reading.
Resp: 6:03
